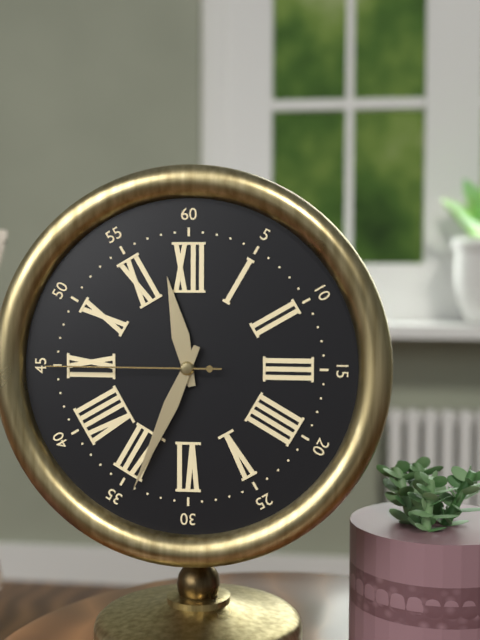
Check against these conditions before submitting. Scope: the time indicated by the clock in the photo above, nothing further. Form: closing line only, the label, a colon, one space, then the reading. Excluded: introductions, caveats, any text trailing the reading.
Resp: 11:34:45
